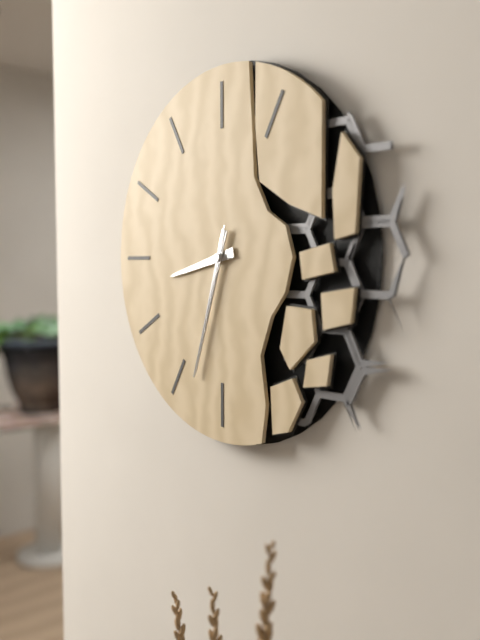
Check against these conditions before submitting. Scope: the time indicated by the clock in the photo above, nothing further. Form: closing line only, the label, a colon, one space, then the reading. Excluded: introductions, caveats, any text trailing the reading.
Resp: 8:33:33
